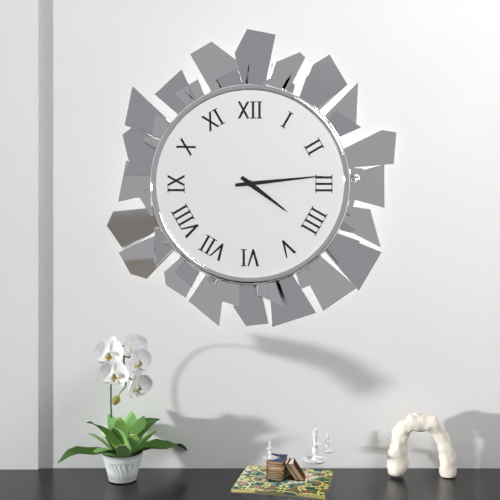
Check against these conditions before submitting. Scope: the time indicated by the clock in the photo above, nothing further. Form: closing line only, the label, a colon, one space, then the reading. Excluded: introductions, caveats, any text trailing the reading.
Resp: 4:14
